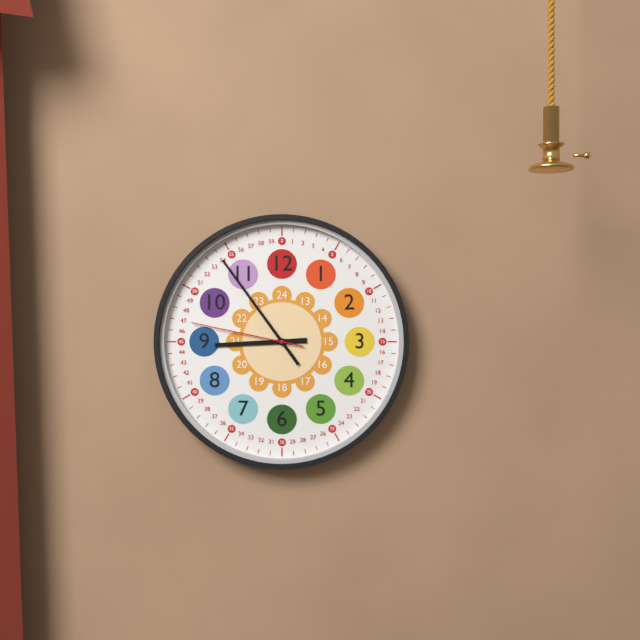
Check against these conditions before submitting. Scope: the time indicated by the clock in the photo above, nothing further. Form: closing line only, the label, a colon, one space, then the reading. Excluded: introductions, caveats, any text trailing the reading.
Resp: 8:54:47
